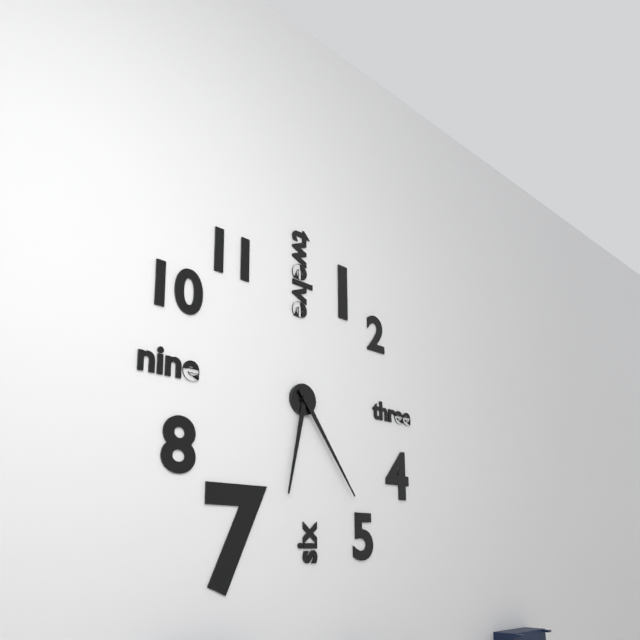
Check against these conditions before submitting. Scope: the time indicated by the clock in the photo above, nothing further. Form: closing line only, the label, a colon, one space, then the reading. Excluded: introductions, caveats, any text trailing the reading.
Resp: 6:24
